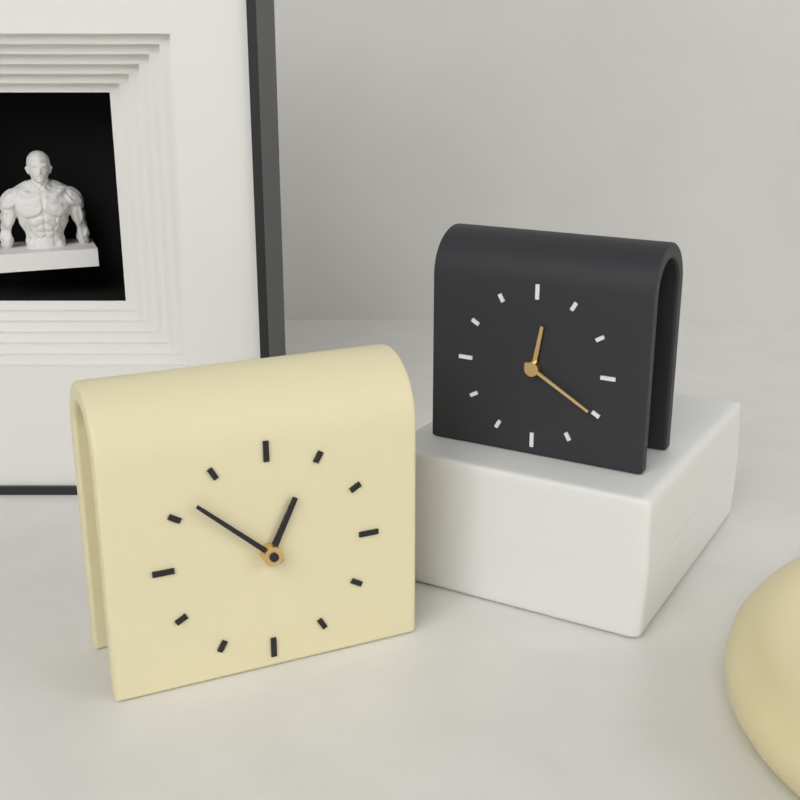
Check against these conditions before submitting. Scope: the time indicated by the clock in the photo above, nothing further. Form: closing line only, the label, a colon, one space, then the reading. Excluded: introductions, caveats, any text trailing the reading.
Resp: 12:52
